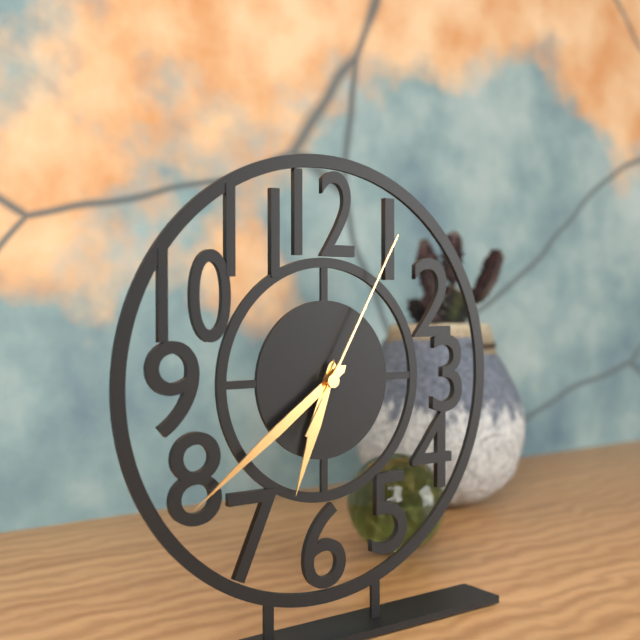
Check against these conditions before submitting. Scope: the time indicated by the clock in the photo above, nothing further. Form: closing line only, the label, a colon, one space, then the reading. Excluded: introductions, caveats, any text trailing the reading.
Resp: 6:39:05
